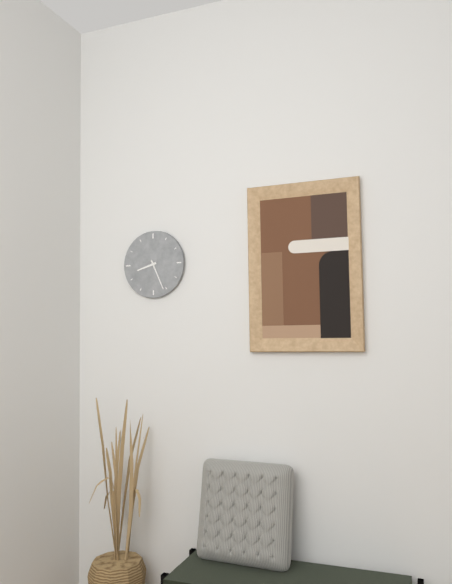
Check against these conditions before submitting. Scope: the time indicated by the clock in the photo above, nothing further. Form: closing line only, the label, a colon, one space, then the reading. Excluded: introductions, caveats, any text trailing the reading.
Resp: 8:26
